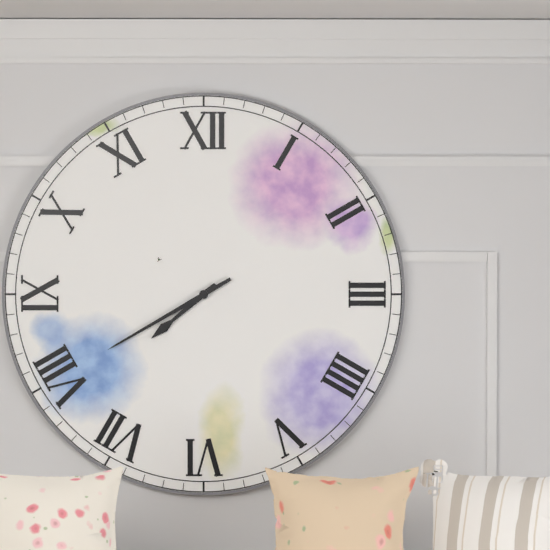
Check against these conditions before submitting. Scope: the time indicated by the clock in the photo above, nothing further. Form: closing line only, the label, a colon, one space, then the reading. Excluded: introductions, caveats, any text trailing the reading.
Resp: 7:40
